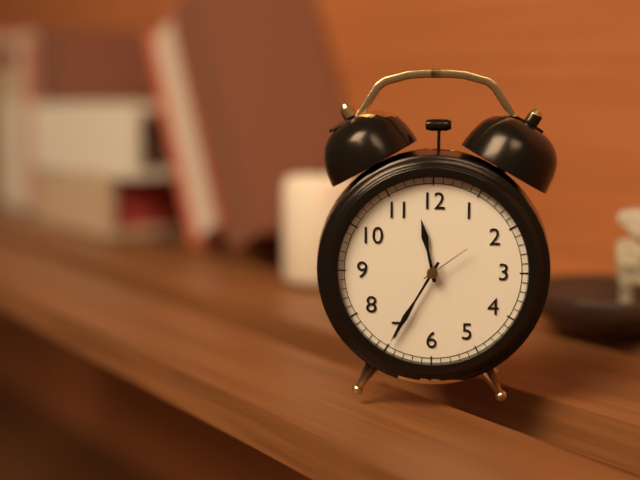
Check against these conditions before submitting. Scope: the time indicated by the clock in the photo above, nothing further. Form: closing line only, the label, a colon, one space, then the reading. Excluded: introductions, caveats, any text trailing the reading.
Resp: 11:35:09
